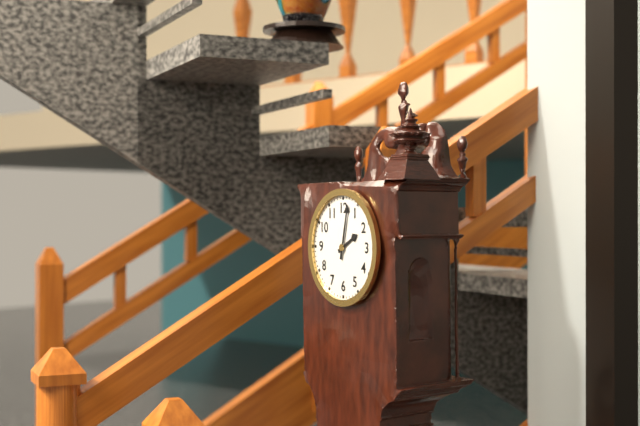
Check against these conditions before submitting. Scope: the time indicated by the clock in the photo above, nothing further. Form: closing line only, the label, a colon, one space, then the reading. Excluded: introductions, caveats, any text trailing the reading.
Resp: 2:02
